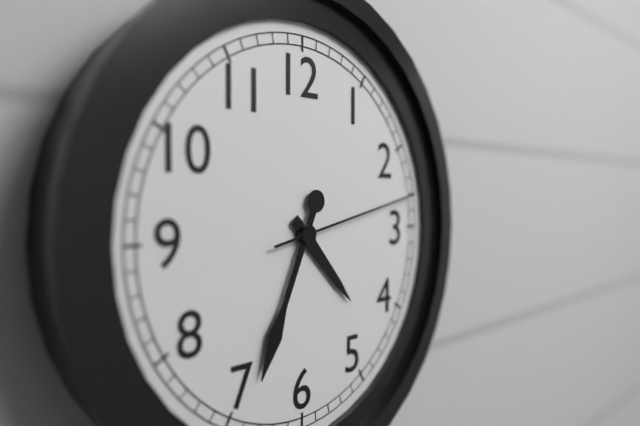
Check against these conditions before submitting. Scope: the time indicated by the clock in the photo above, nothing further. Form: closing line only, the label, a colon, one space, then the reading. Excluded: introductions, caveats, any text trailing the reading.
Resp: 4:34:13
